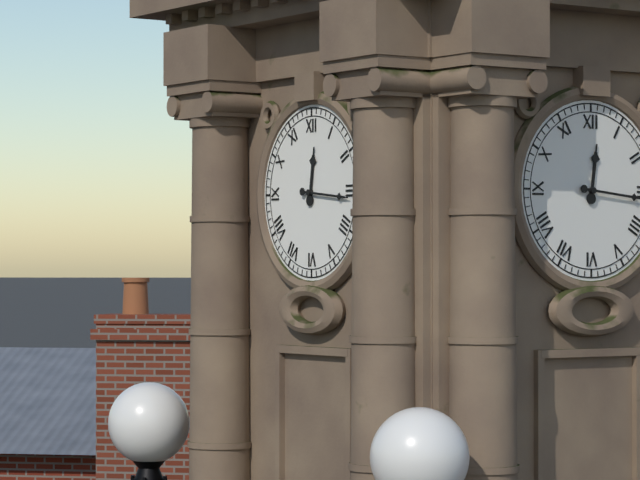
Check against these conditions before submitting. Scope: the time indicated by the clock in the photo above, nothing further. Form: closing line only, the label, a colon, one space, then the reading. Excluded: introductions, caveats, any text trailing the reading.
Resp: 12:16
